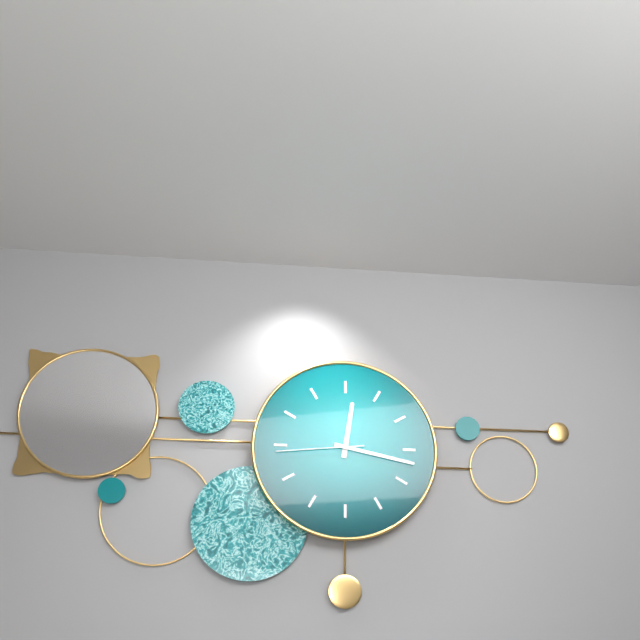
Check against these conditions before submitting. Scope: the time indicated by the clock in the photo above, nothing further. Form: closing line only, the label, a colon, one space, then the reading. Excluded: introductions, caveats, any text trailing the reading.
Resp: 12:17:44
